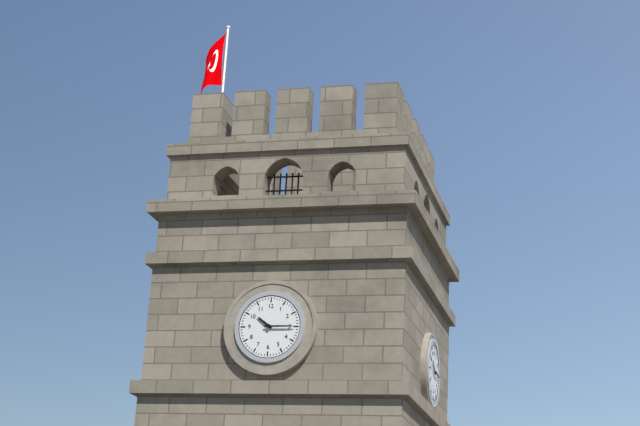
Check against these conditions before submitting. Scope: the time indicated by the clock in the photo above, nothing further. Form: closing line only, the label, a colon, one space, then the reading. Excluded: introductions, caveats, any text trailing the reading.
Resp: 10:15
